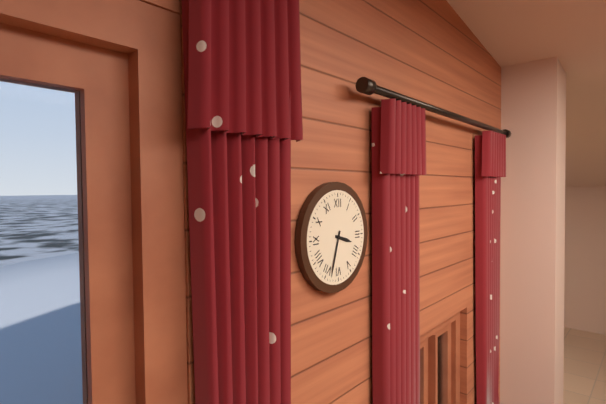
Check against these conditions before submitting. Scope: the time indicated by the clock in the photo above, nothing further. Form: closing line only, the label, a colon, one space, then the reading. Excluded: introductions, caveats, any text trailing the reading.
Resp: 3:33
